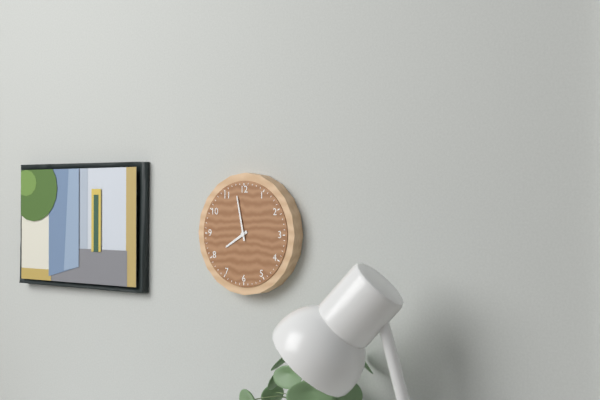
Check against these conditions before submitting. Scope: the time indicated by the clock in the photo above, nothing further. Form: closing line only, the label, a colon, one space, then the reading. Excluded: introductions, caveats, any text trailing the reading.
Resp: 7:58
